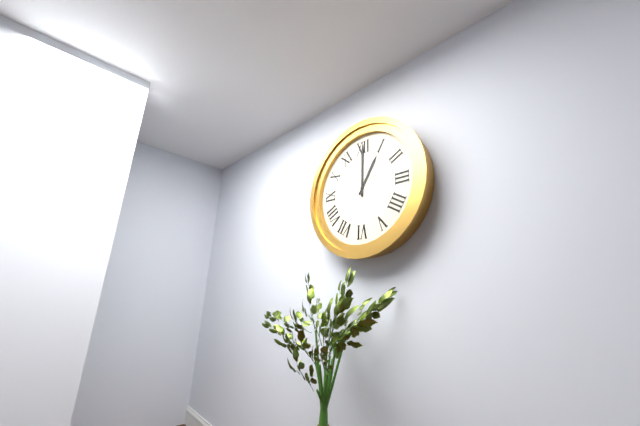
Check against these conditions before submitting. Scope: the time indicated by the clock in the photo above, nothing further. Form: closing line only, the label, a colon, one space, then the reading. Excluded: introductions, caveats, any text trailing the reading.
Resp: 1:00
